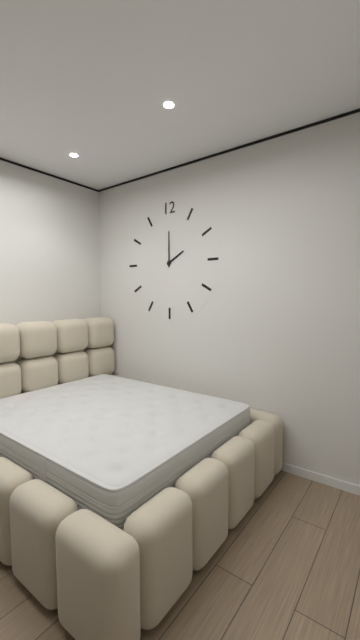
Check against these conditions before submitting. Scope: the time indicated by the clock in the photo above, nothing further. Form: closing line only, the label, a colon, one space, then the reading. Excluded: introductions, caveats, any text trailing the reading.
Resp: 2:00
